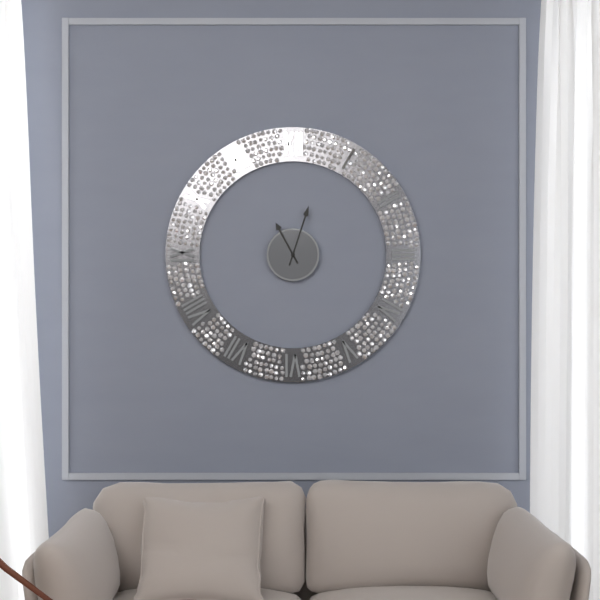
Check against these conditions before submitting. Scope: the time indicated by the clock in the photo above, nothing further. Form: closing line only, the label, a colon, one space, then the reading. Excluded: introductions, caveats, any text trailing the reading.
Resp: 11:03
